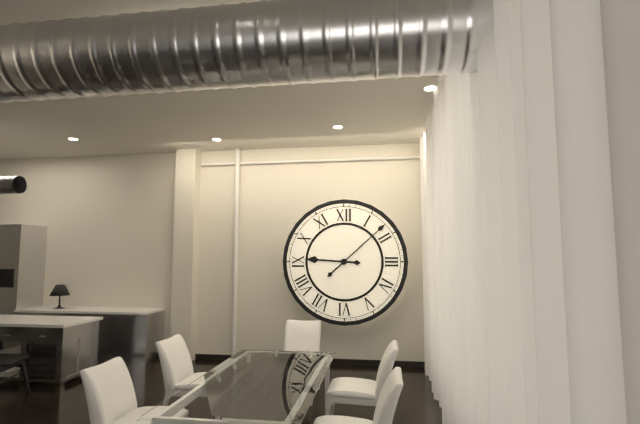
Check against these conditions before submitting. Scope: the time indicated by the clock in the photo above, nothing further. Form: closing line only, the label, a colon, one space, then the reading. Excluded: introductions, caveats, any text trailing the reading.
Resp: 9:08
